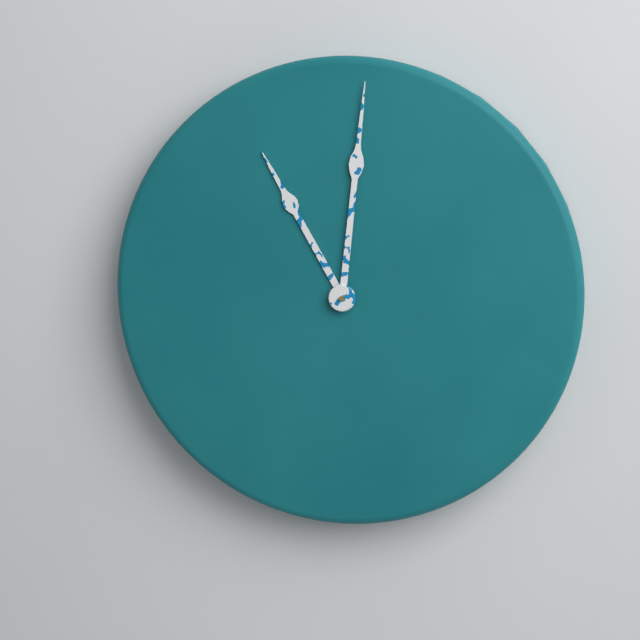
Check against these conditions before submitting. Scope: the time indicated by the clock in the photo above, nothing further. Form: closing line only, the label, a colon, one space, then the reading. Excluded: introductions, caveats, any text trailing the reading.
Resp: 11:01
